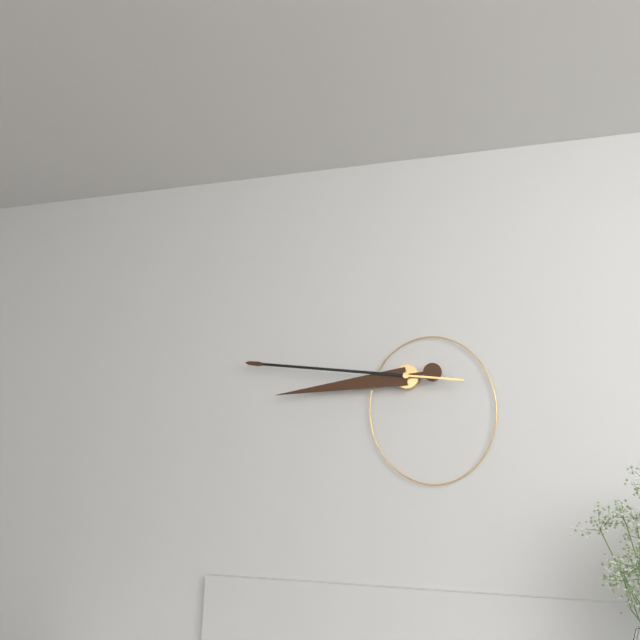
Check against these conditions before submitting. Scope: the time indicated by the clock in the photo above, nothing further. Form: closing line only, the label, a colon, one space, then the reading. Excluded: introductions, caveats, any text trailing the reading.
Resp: 8:46
